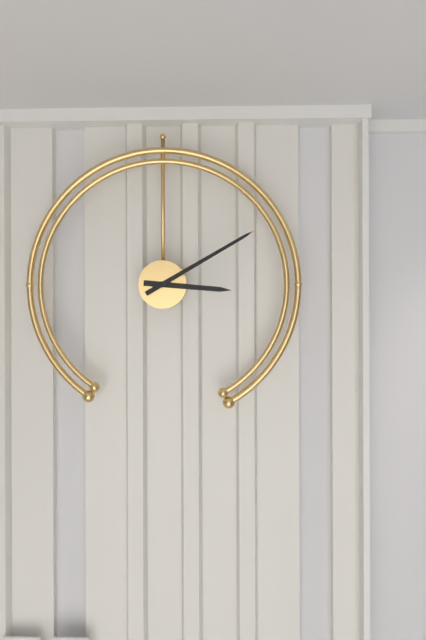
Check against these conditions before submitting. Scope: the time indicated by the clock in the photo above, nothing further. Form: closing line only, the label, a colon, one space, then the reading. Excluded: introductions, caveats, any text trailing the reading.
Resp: 3:10
